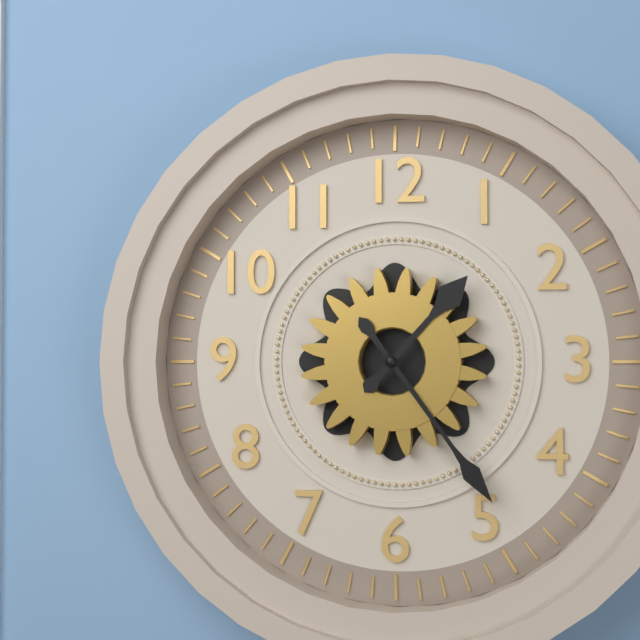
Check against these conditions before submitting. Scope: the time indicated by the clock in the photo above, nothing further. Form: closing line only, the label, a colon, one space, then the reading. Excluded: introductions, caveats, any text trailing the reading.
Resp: 1:24
